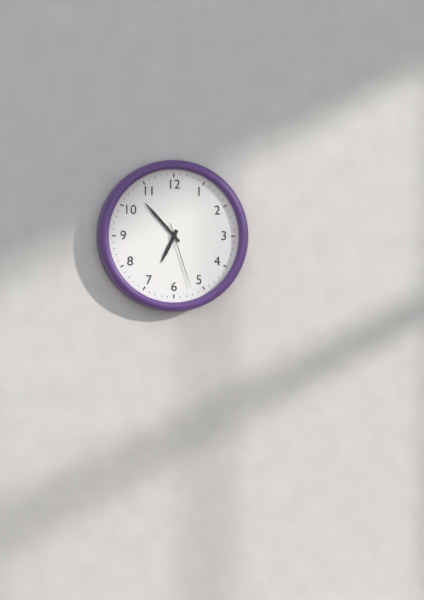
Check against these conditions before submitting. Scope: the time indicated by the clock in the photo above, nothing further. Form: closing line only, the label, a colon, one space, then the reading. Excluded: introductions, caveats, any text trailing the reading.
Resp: 6:53:27
